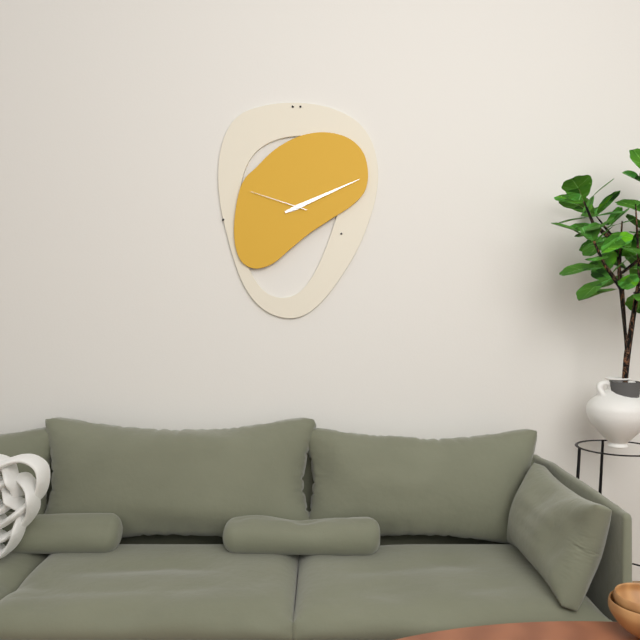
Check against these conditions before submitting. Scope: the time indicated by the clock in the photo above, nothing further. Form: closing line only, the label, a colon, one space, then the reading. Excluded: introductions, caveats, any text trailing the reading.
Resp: 2:11:48
